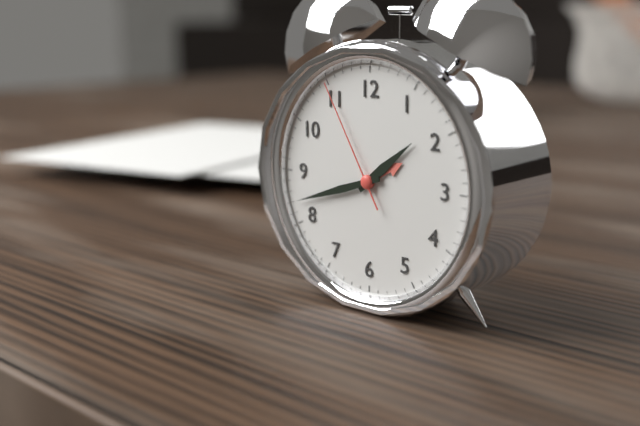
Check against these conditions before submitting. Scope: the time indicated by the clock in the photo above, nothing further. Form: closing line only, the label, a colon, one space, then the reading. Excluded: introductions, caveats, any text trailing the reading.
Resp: 1:42:55
